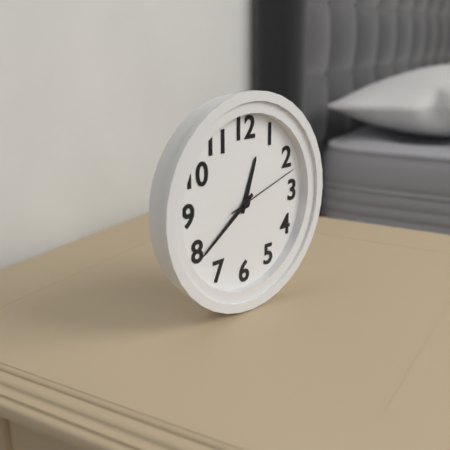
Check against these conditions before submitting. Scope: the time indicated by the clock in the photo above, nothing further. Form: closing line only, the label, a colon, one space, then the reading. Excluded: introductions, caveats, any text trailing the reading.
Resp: 12:39:12
